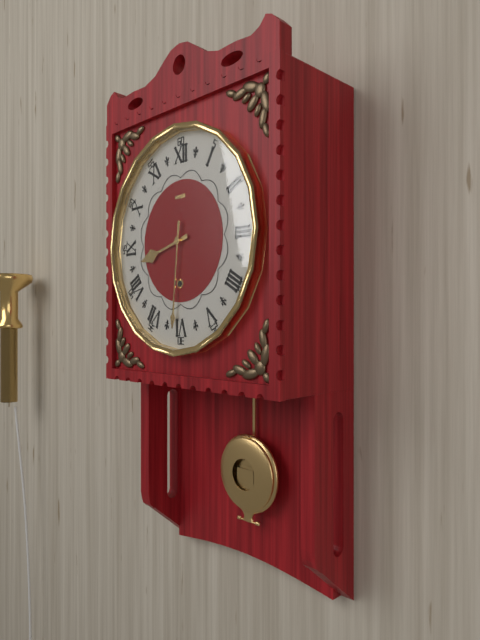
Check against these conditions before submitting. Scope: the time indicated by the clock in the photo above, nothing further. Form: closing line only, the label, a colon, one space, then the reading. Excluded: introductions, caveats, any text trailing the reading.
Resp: 8:31
